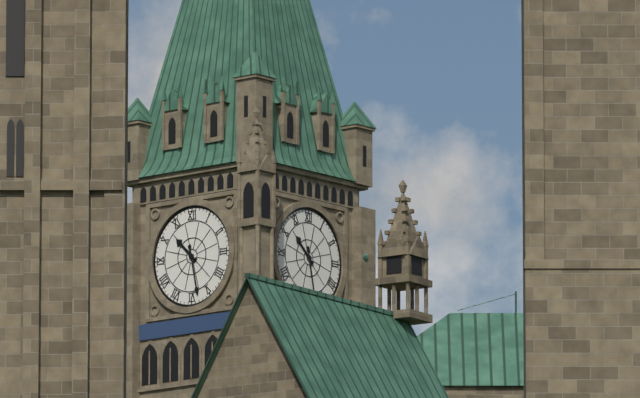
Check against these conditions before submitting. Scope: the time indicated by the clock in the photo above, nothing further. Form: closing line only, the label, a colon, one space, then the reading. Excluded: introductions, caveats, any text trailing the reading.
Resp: 10:28
